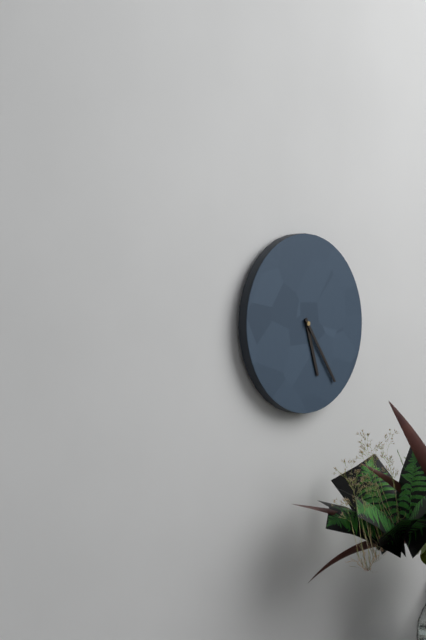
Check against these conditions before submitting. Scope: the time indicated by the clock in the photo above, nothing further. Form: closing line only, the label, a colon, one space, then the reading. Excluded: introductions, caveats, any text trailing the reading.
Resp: 5:24
